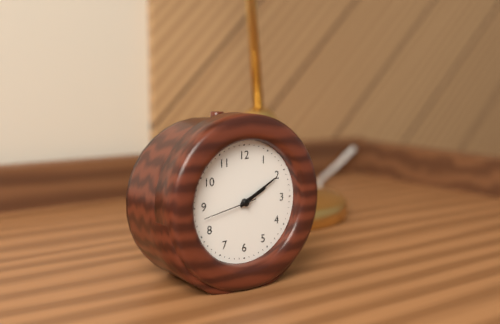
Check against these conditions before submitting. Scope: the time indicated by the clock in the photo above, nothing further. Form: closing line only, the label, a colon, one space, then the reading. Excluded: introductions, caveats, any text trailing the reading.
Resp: 2:10:43
